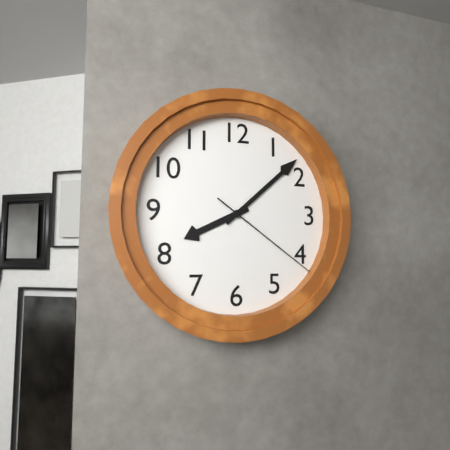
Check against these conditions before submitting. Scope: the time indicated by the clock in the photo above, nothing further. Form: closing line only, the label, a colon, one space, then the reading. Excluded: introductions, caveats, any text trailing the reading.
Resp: 8:08:21
